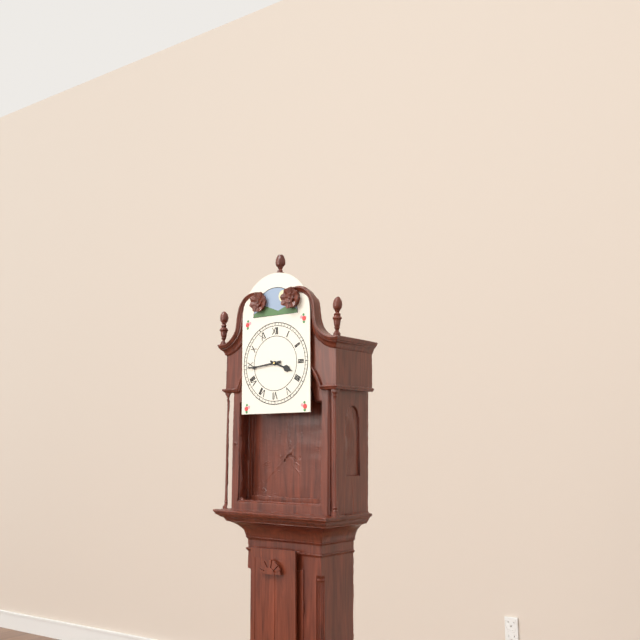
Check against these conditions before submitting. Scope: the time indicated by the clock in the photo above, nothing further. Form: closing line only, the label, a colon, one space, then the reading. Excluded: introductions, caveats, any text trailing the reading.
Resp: 3:44
